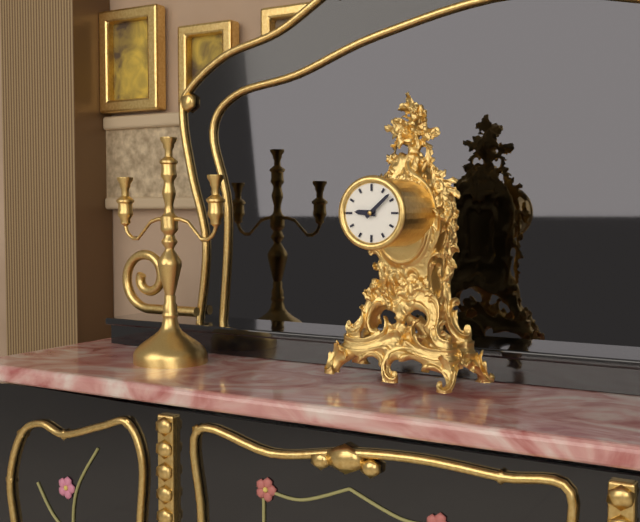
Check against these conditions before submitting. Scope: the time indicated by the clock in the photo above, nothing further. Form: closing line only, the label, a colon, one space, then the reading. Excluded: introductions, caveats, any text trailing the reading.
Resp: 9:08
